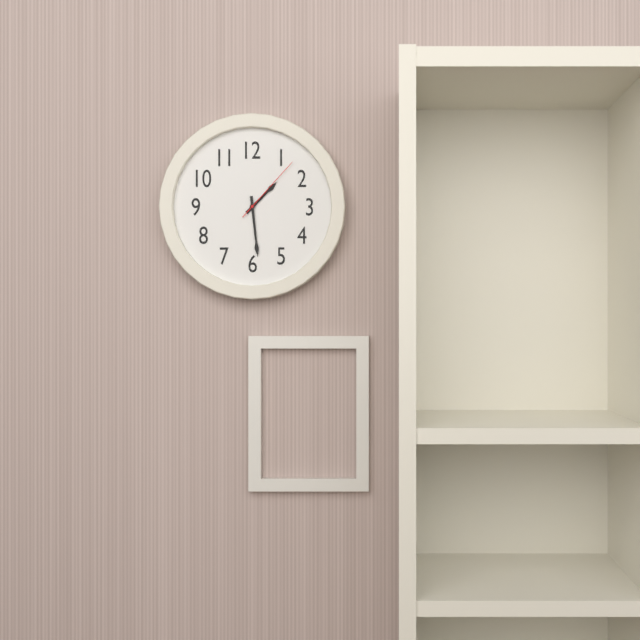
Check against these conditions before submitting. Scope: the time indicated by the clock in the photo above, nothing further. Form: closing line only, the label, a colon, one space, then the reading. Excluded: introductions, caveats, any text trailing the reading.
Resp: 1:29:07
